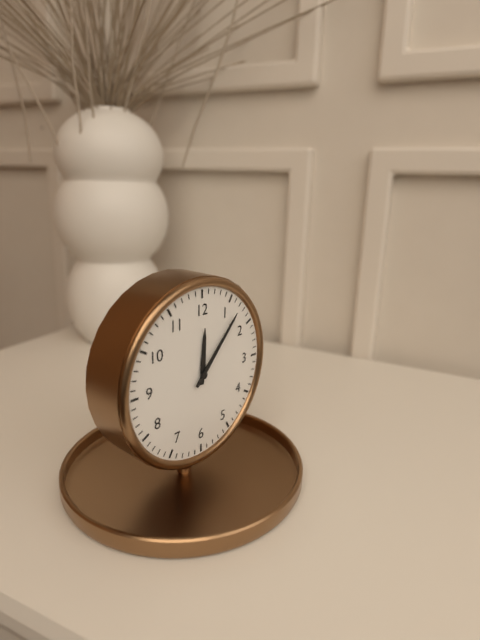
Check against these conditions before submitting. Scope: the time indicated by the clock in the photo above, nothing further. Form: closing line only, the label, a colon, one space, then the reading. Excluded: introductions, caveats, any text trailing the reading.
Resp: 12:07
